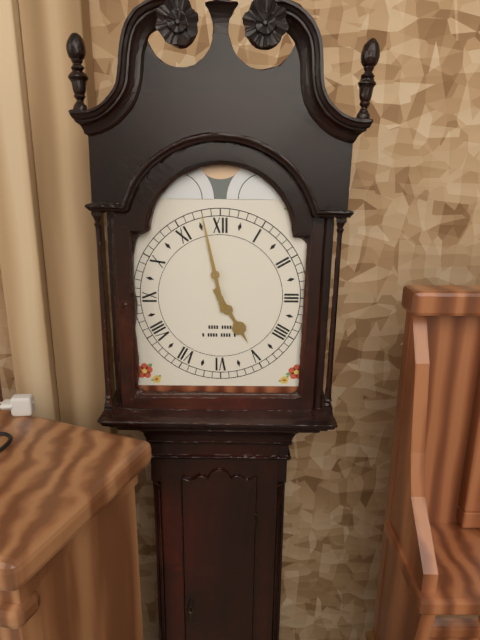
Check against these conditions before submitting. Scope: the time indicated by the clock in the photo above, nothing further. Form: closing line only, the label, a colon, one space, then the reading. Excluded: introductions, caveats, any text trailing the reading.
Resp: 4:58
